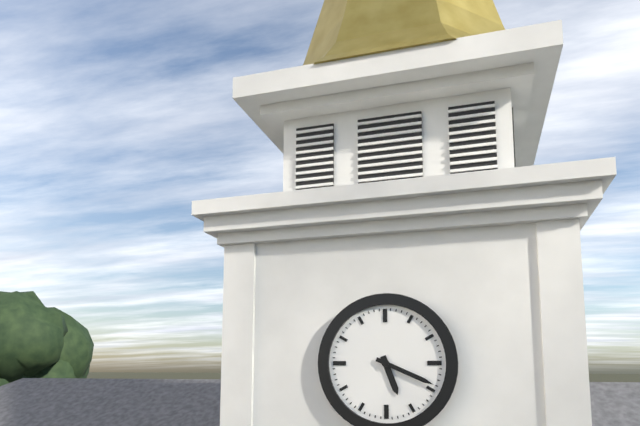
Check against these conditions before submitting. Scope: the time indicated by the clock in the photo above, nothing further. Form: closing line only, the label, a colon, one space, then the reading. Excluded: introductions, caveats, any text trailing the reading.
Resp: 5:19
